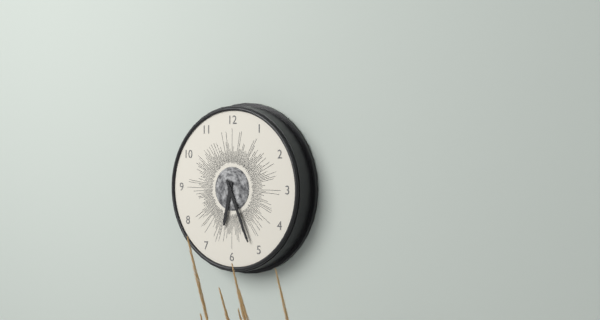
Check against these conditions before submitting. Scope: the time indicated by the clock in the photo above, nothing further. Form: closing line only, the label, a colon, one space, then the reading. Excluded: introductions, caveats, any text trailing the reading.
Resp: 6:26
